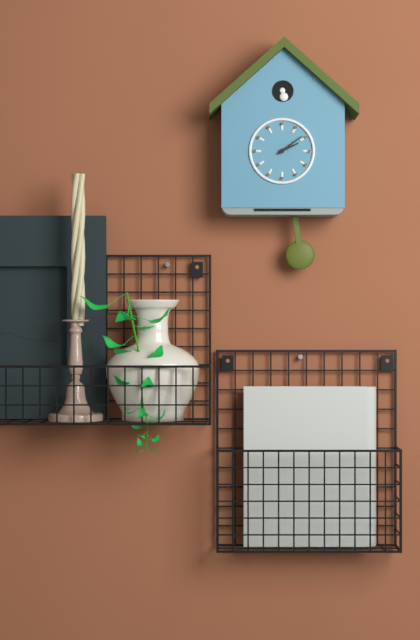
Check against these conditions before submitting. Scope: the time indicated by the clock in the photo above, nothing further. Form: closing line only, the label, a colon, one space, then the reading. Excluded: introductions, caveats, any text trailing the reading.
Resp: 2:09
